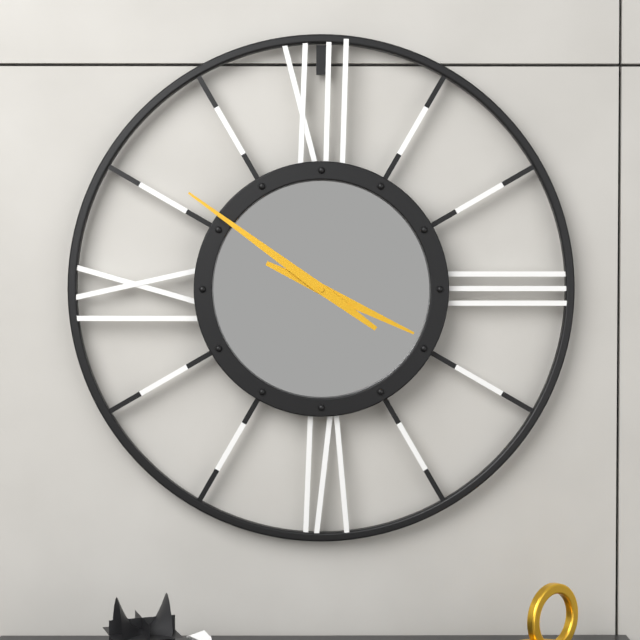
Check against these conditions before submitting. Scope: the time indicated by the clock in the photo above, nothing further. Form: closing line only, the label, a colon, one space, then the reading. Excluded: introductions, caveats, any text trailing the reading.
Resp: 3:51
